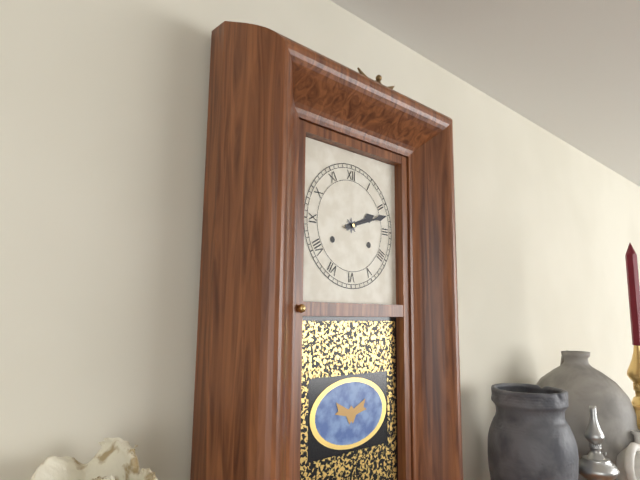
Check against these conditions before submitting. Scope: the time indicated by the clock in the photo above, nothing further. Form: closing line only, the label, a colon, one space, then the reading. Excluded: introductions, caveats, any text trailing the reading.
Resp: 2:12
